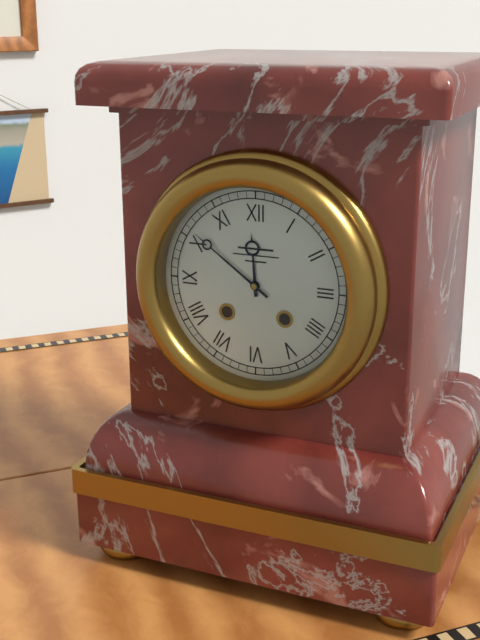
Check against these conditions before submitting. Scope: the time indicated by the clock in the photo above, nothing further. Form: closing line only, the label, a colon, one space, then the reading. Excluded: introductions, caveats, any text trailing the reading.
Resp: 11:51
